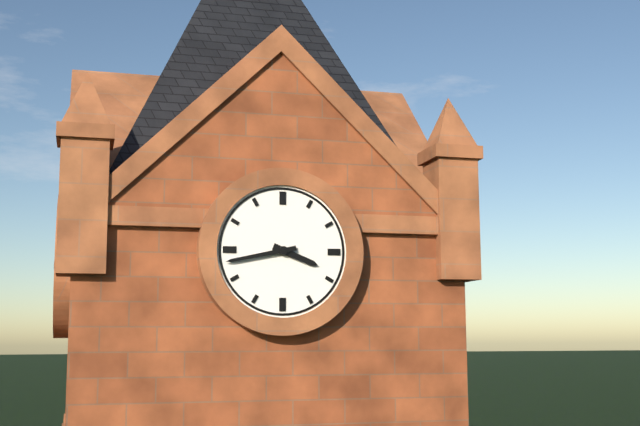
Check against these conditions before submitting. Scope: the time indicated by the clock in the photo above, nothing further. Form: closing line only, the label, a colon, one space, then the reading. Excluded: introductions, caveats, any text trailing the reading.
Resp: 3:43
